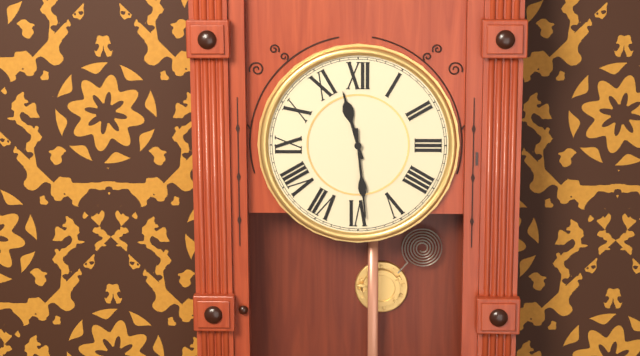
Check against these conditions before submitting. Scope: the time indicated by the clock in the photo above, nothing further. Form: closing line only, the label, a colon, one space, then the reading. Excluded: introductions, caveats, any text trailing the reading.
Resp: 11:29
